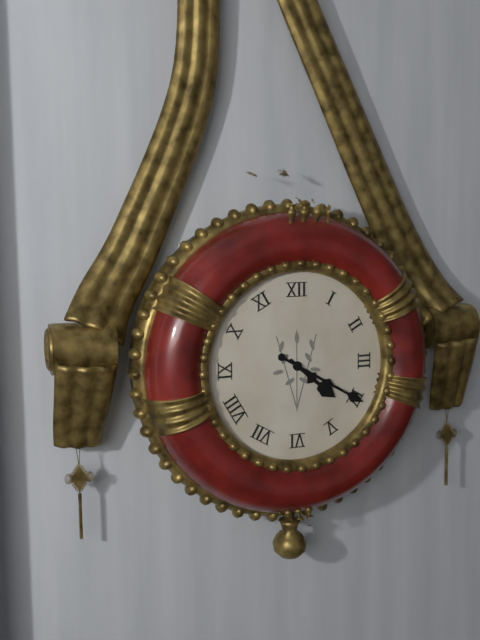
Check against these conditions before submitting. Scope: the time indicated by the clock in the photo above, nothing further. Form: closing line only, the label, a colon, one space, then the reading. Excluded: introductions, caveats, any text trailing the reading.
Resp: 4:20
